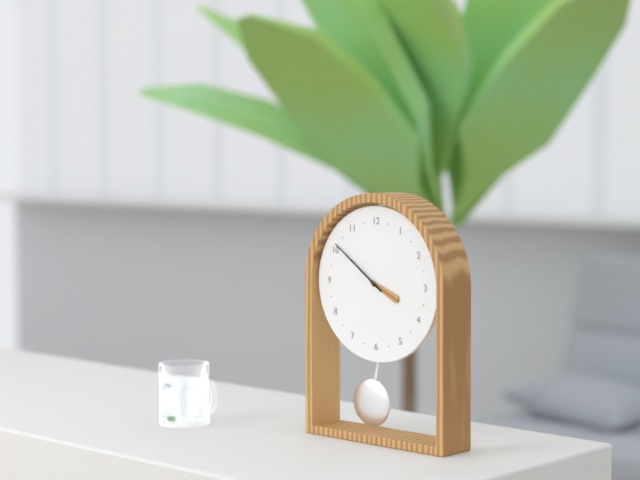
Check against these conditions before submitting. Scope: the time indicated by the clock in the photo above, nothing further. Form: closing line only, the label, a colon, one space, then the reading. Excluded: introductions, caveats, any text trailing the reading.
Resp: 3:51
